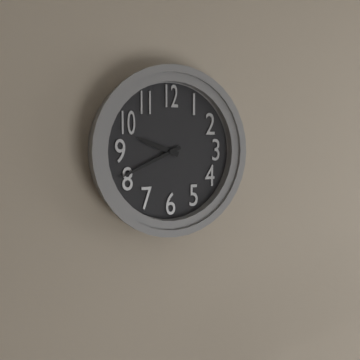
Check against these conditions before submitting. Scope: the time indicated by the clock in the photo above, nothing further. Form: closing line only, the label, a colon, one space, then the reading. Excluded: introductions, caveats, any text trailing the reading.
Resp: 9:41
